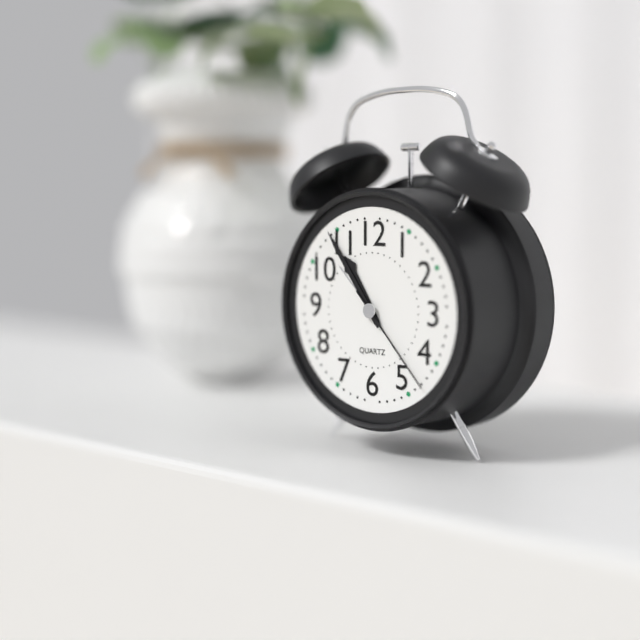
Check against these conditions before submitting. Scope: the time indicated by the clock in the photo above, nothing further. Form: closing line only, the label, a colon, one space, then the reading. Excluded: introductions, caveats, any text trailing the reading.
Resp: 10:54:23
